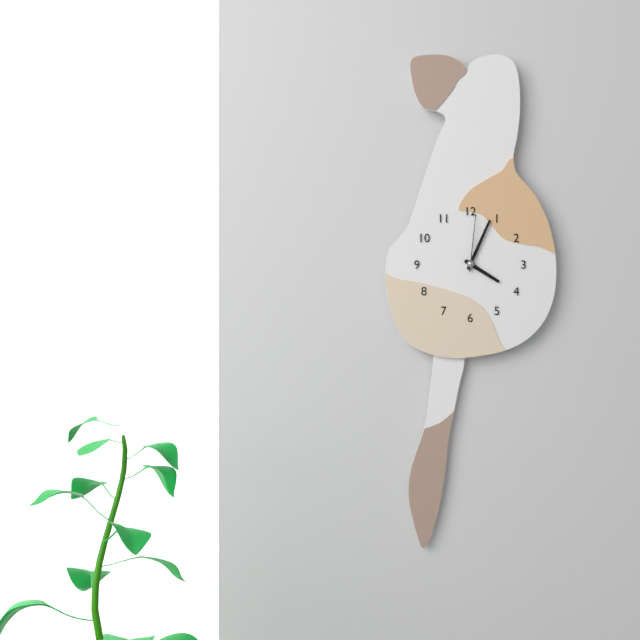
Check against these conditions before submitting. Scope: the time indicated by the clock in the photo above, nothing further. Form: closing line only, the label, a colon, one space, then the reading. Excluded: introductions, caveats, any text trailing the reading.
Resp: 4:04:01
